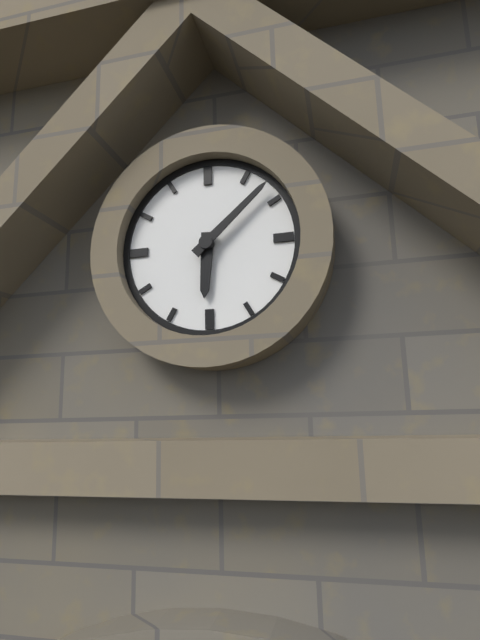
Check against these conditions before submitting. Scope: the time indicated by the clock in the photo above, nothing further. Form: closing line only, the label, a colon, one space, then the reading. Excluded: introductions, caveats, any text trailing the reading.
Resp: 6:08
